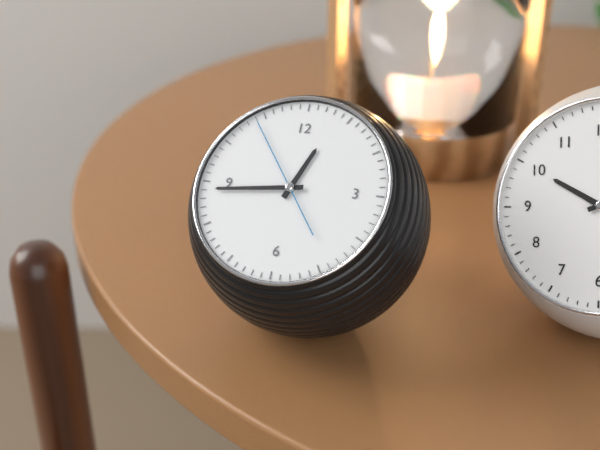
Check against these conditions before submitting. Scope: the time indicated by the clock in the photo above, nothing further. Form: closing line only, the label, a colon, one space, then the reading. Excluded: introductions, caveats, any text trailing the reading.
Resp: 12:44:54
